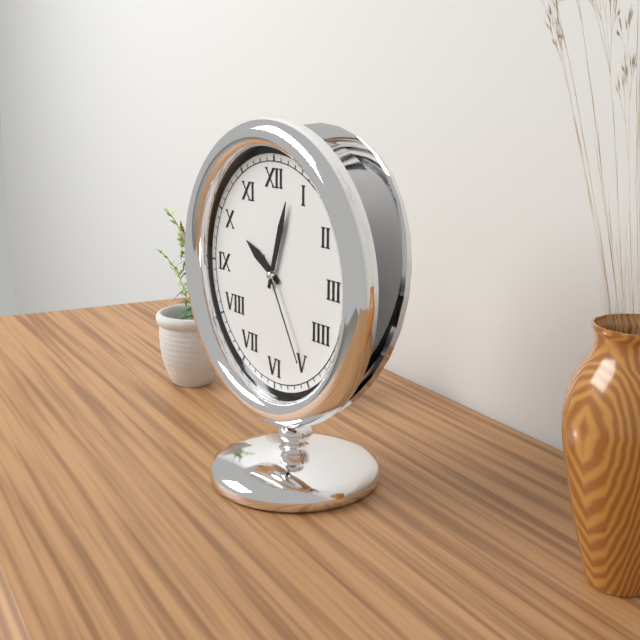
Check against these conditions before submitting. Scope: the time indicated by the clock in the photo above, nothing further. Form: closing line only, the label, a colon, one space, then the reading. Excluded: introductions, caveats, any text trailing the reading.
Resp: 10:03:25
